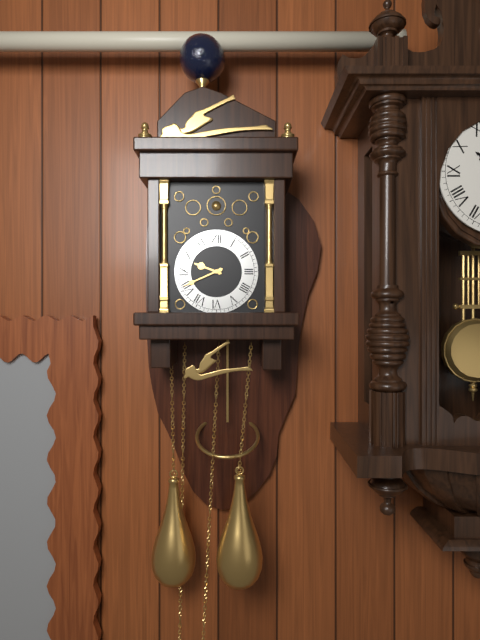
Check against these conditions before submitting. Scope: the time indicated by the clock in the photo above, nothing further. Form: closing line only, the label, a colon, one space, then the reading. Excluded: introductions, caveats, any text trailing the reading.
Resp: 9:41
